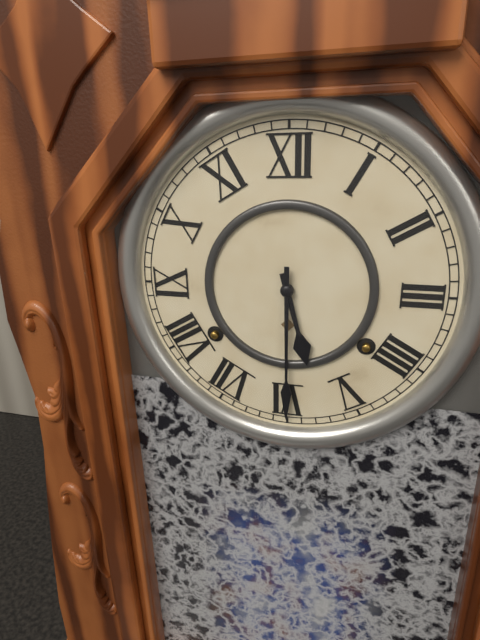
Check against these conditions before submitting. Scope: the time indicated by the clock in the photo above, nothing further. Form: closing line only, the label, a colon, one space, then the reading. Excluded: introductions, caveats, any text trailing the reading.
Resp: 5:30
